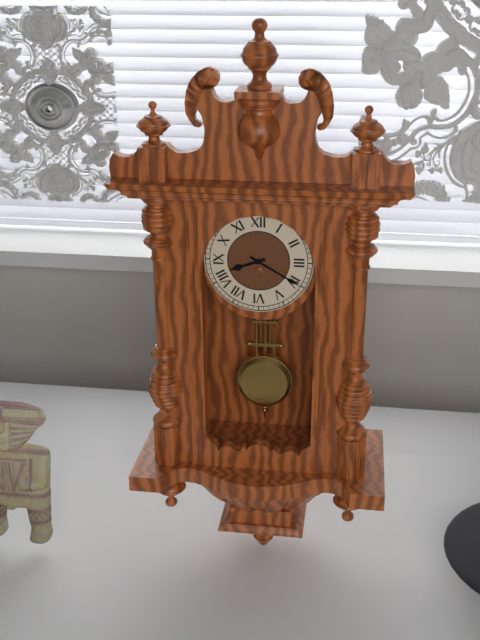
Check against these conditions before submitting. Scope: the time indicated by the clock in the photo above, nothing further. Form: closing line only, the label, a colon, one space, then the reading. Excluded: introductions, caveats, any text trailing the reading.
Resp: 8:20
